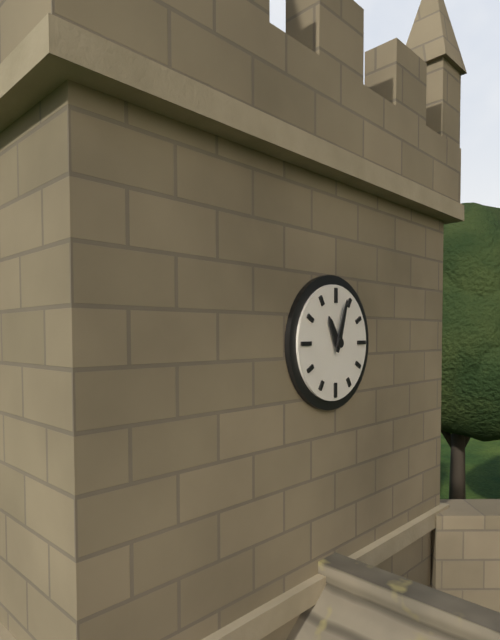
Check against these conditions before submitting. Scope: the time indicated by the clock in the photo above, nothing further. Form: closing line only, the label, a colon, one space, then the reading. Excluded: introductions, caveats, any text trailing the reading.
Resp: 11:03
